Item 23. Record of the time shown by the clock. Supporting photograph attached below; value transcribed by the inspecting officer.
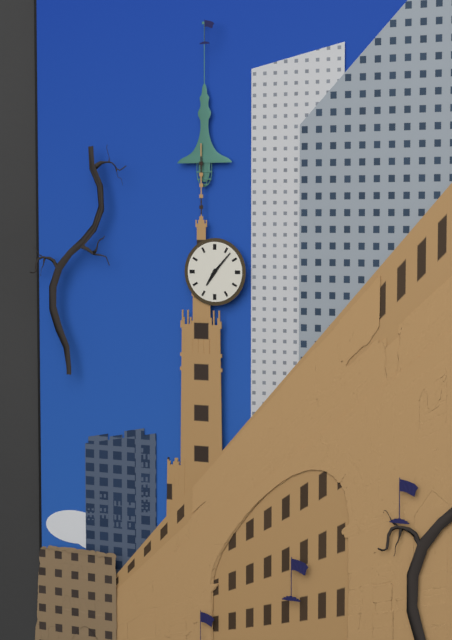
7:07
